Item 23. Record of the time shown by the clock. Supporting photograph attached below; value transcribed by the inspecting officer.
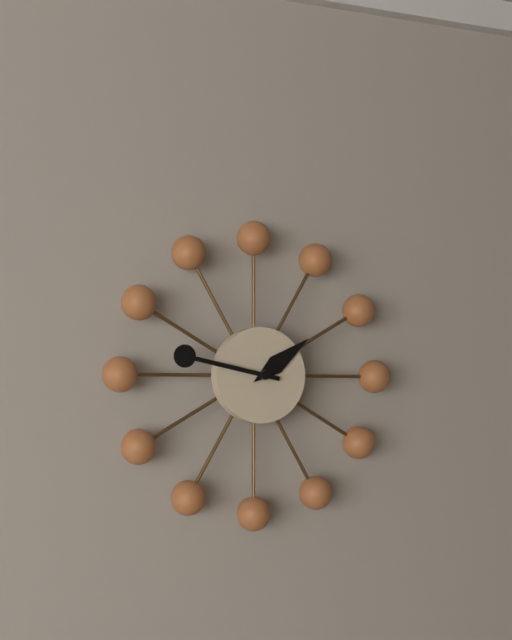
1:47
